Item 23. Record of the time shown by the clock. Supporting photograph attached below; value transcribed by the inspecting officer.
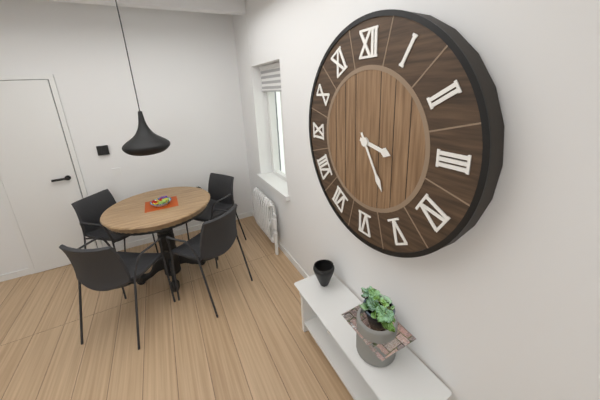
3:25
